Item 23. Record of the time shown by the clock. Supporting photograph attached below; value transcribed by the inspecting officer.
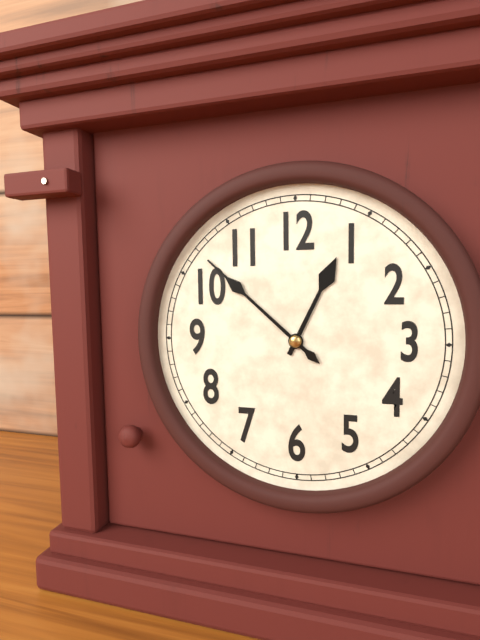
12:52
